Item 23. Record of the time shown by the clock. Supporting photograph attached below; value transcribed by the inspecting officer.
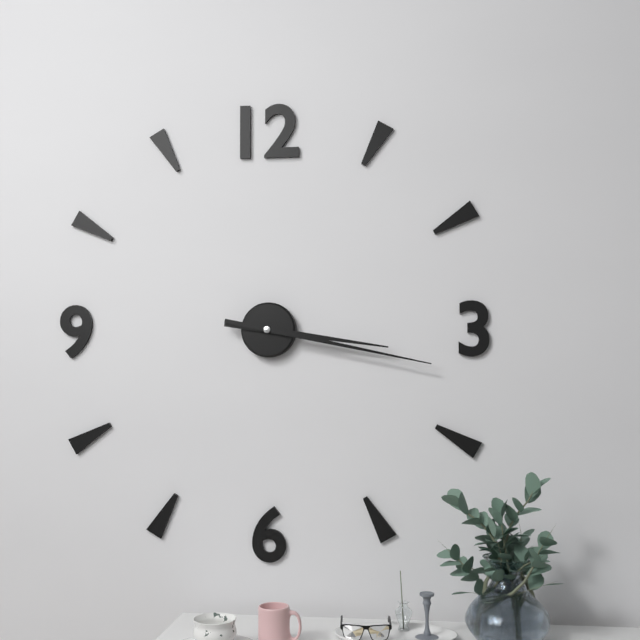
3:17
